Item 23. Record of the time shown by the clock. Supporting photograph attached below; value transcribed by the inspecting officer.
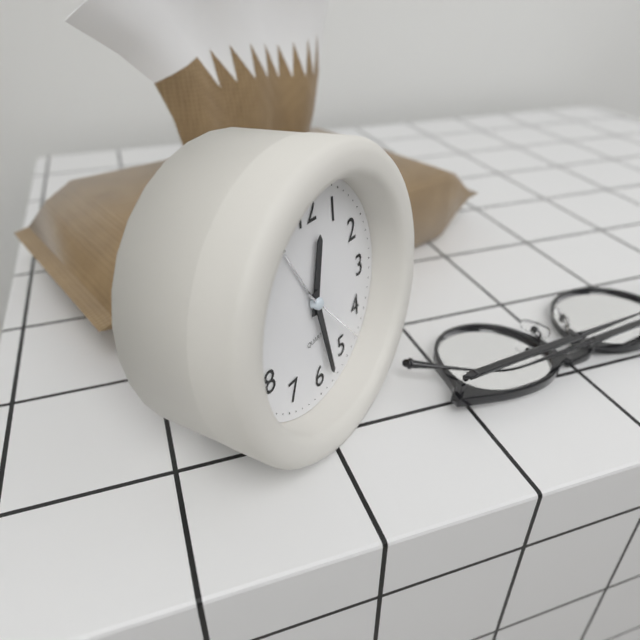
12:28:23
